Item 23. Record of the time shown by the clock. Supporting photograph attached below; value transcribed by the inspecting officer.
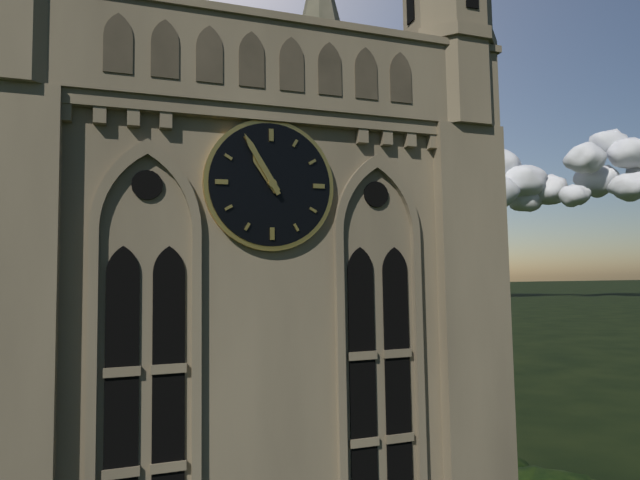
10:55
